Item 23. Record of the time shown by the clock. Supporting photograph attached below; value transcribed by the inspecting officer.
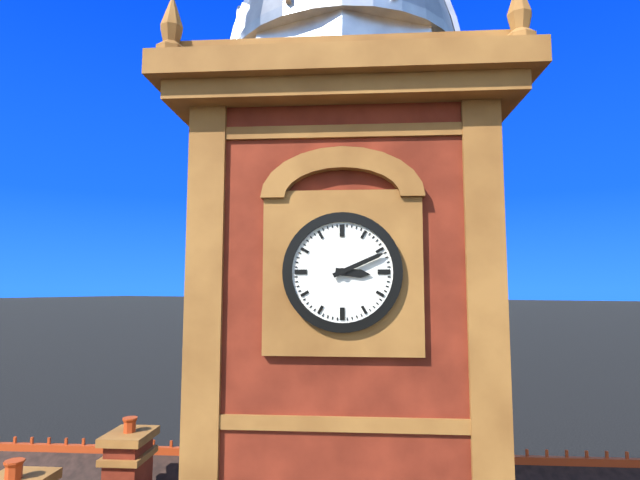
3:11
